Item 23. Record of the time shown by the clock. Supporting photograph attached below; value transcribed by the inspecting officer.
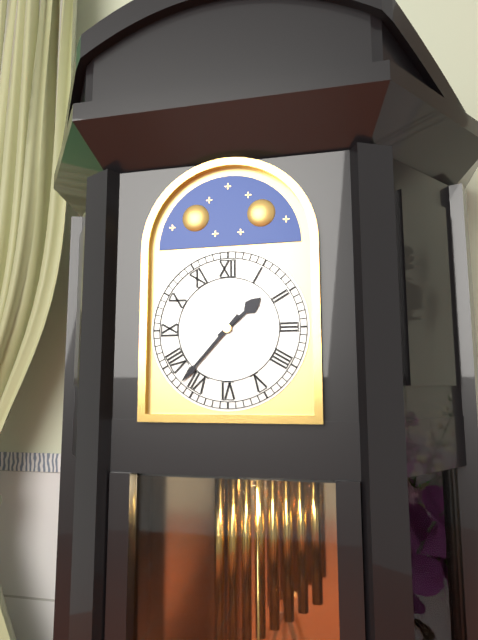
1:37
